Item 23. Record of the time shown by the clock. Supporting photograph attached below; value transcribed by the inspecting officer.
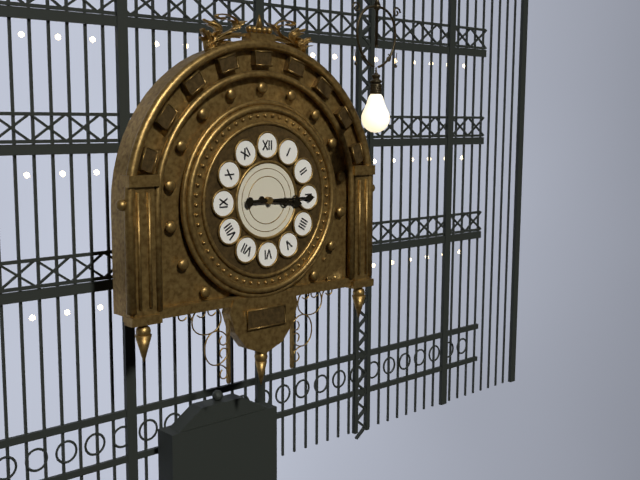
3:15
